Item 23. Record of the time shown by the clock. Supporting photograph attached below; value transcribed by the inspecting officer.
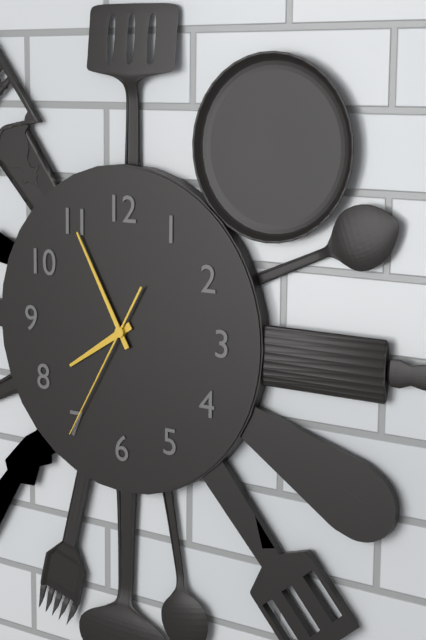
7:55:35
